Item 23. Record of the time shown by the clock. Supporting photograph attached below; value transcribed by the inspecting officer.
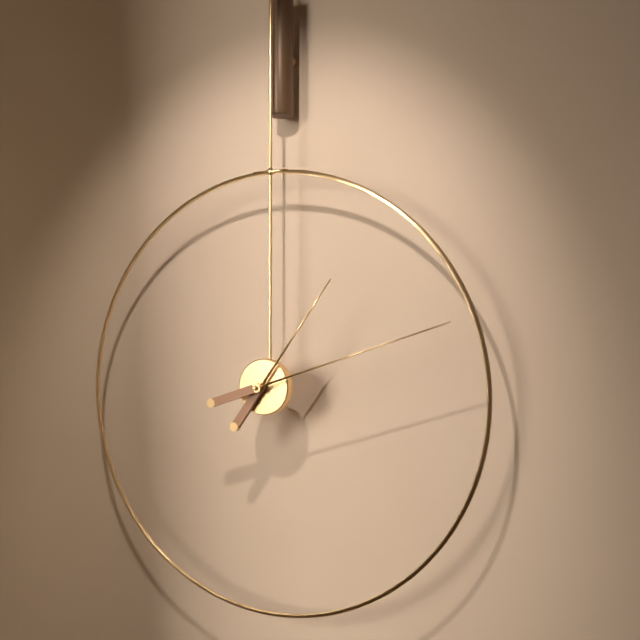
1:12
